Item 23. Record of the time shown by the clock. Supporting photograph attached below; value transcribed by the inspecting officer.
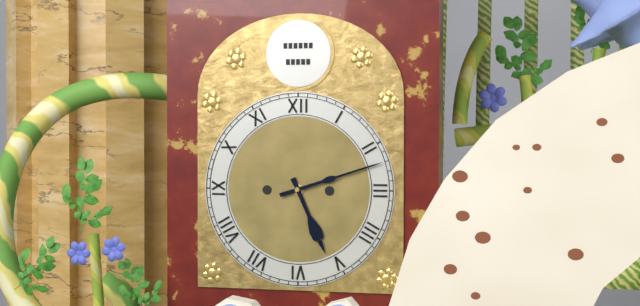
5:12
